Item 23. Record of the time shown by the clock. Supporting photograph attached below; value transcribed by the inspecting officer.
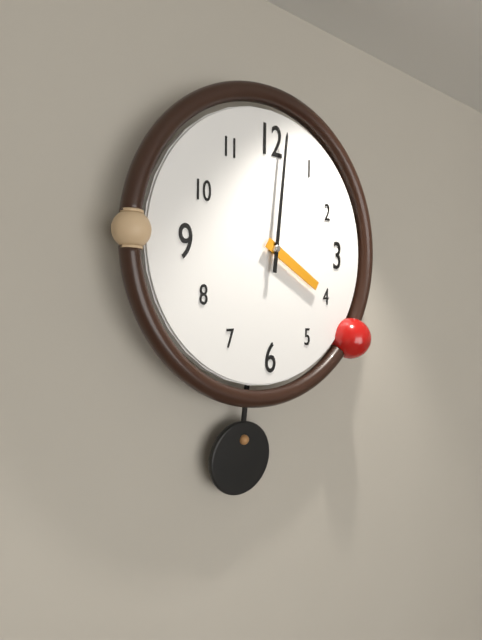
4:01
